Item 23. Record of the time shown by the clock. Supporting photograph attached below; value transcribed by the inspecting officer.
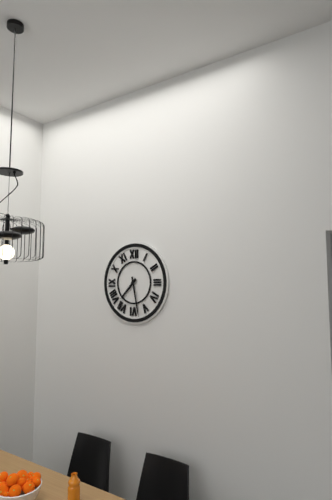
7:28
